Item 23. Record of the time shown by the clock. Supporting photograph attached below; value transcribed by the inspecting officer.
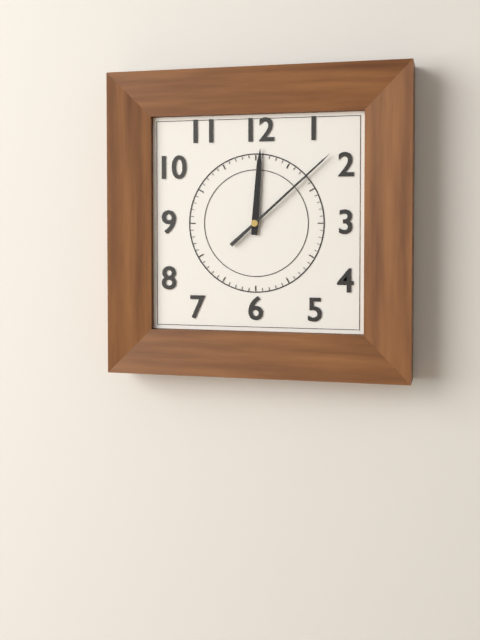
12:08
